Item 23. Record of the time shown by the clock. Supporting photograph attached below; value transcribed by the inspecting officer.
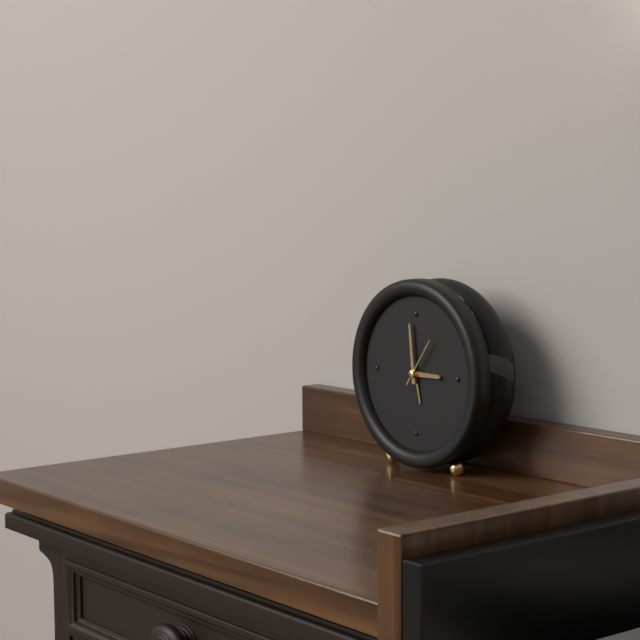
2:59
